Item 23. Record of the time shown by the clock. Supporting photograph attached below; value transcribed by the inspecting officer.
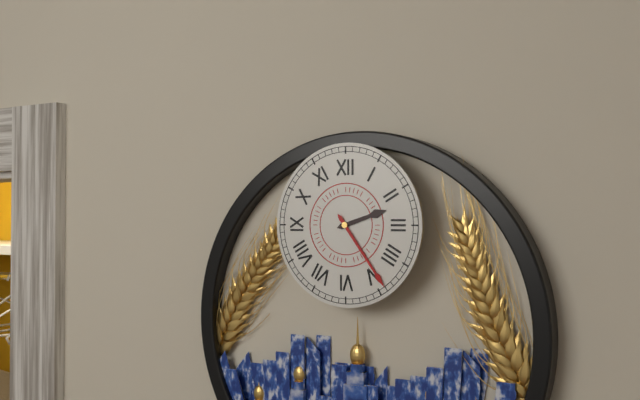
2:24
